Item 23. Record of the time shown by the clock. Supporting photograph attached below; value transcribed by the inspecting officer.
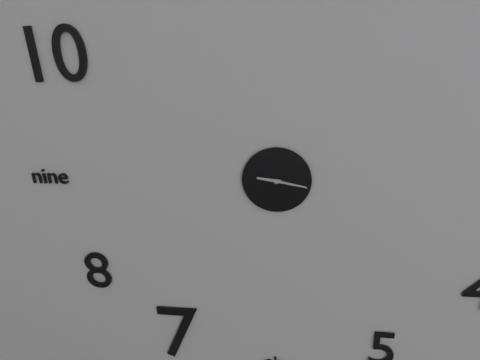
9:17
